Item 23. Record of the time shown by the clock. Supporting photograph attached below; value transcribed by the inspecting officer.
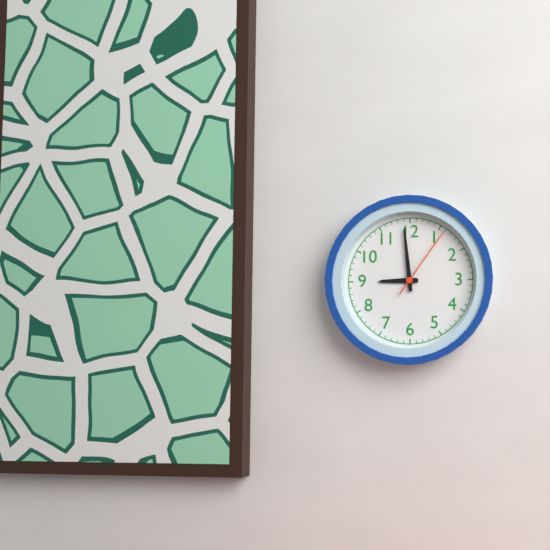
8:59:06
